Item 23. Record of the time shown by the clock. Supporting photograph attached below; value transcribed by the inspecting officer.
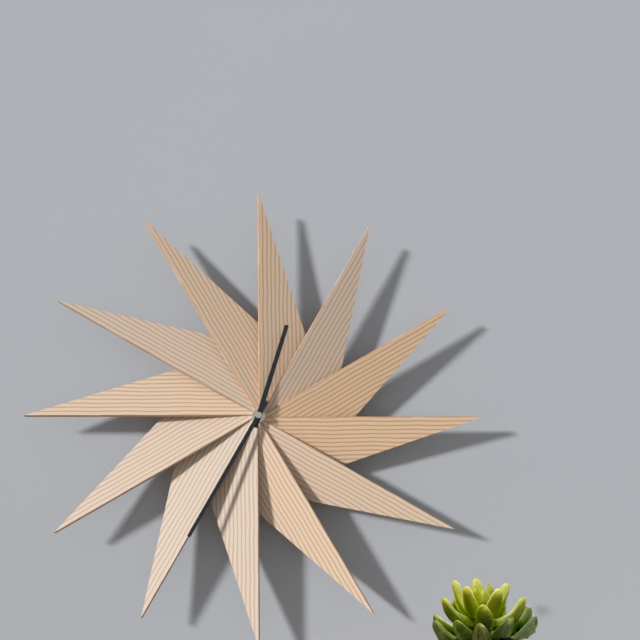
12:35
